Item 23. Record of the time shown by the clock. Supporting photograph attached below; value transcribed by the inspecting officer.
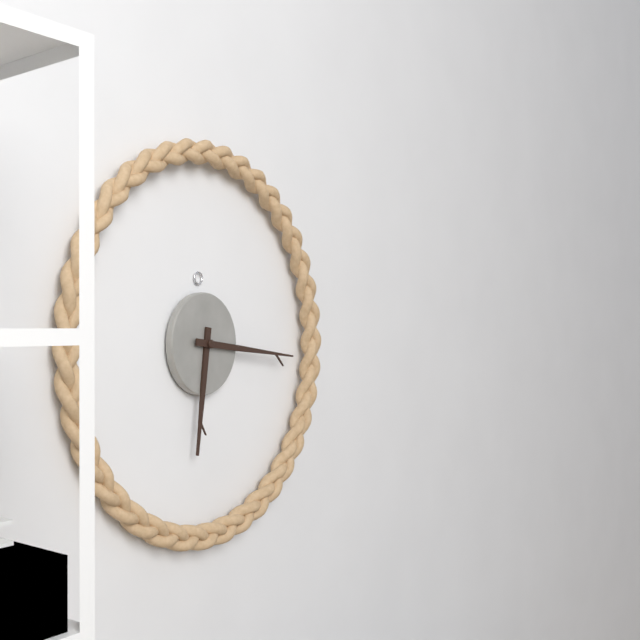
6:16
